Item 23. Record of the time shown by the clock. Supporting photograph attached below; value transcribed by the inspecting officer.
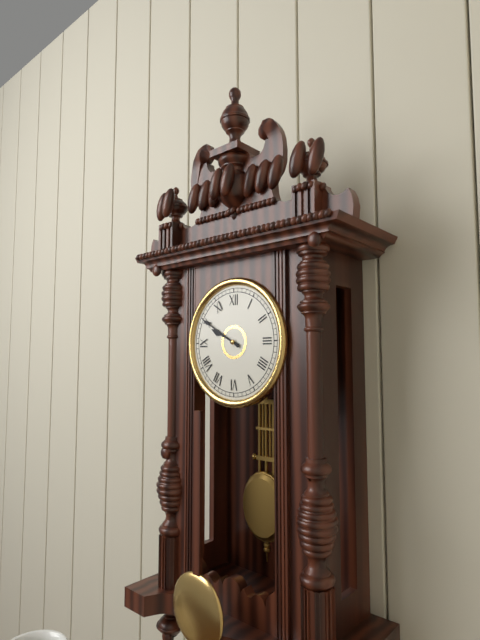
9:50
